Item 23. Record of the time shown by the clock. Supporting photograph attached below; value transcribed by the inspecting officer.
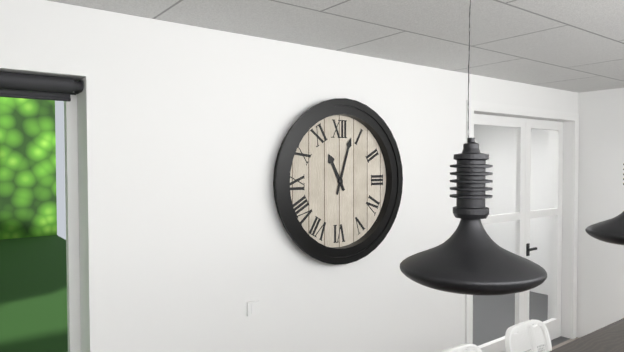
11:03
